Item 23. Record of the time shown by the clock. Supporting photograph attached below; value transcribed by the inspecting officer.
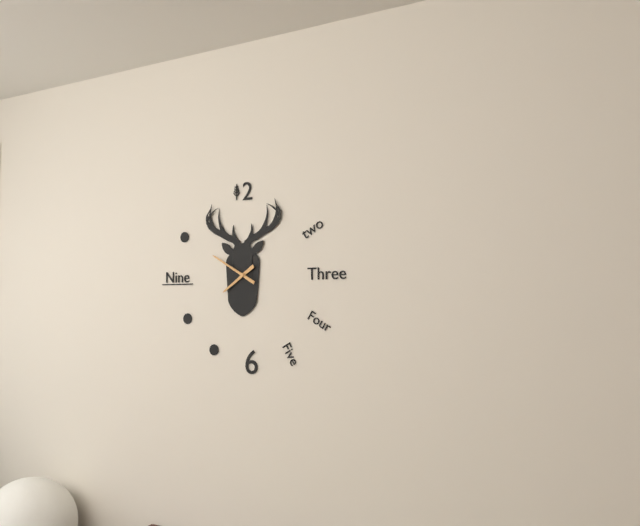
7:50
